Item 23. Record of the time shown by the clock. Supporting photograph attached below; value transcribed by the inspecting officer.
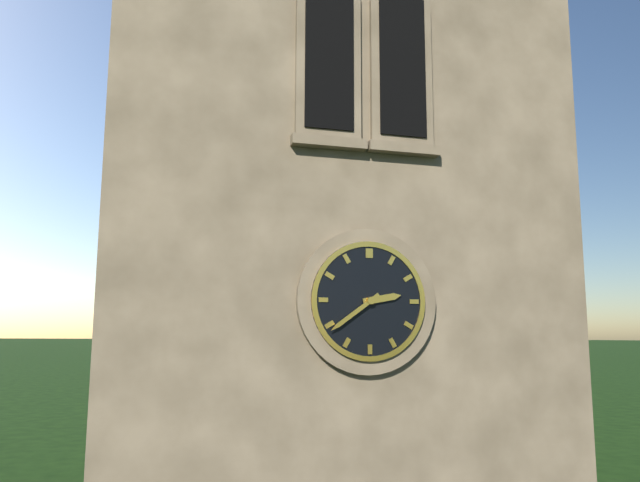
2:39
